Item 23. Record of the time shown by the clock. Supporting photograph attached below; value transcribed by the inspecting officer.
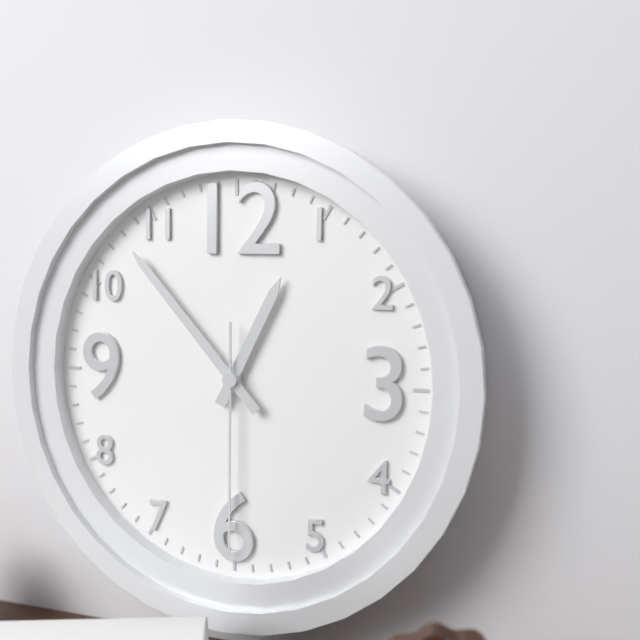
12:53:30
